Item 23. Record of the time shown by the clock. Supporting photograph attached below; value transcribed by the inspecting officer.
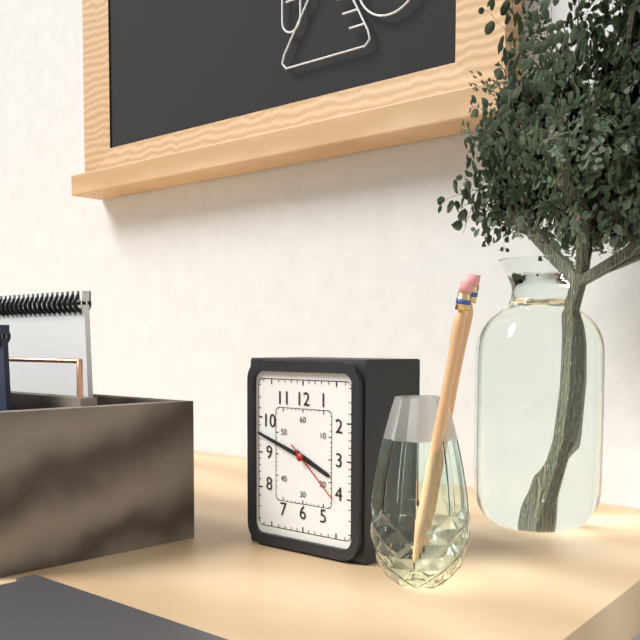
3:48:22
